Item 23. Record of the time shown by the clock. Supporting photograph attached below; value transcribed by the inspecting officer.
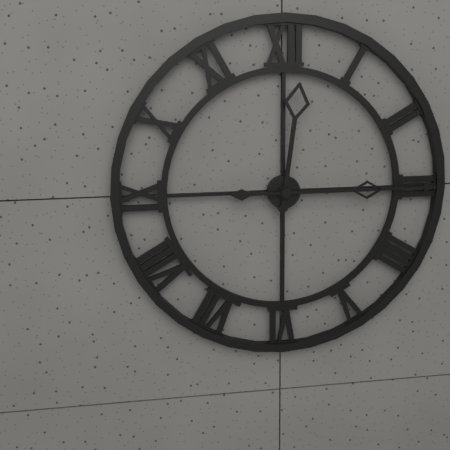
12:15
